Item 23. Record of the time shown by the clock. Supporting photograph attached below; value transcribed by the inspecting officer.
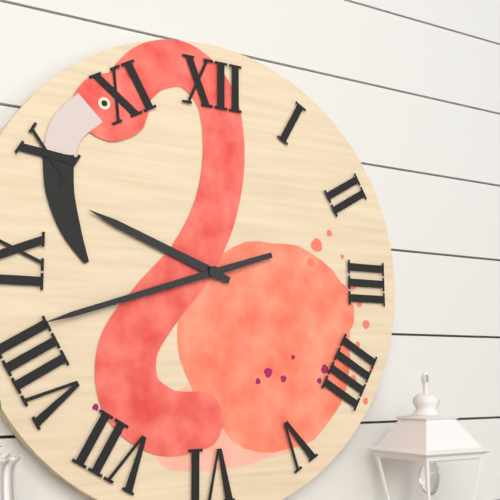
9:42
